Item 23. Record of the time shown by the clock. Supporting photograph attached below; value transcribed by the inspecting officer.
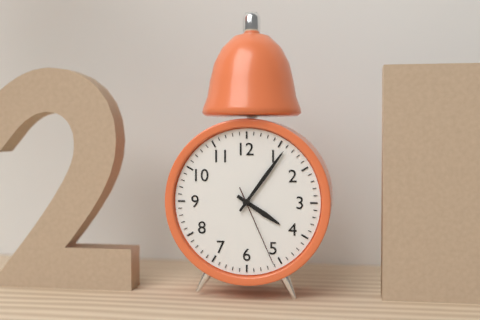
4:06:26
